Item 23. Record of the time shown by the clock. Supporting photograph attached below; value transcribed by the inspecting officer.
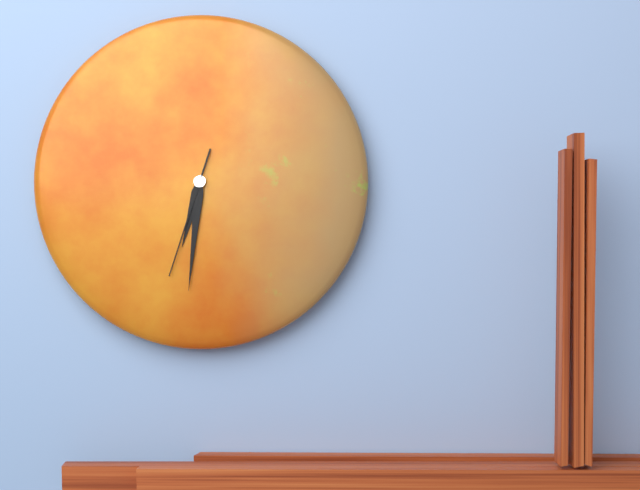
6:31:33
